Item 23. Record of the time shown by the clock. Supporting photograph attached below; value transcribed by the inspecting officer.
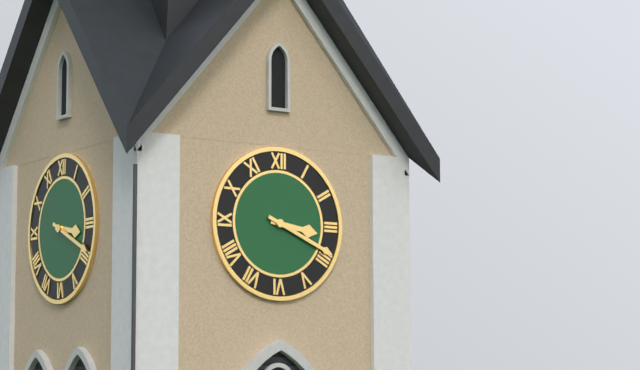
3:19
